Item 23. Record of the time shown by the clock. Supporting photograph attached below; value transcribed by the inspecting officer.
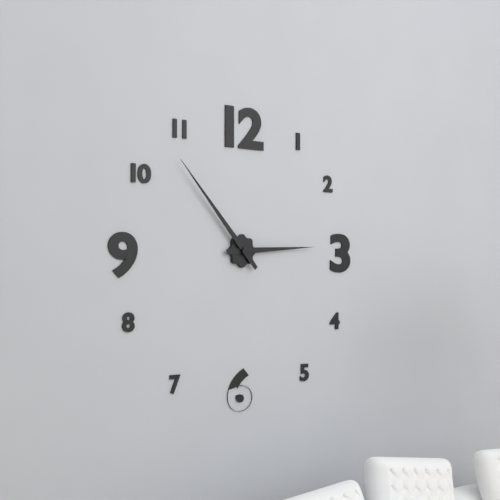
2:53
